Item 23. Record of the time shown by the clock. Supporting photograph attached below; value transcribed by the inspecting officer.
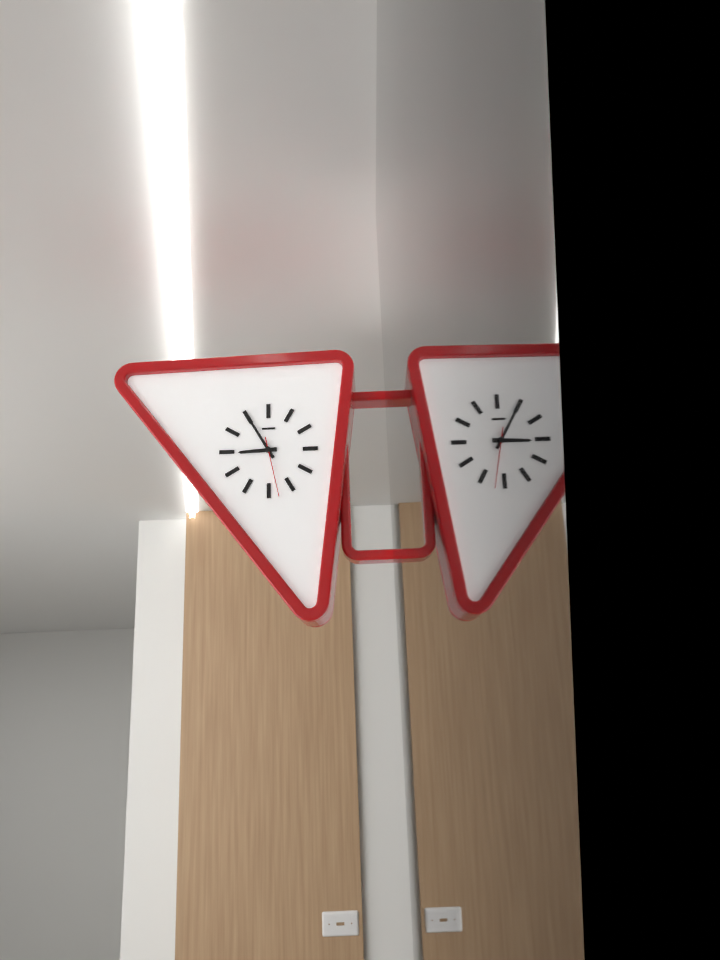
8:55:28
